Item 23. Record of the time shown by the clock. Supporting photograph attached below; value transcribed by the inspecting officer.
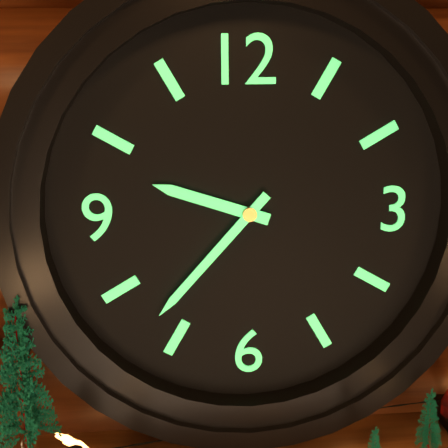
9:37
